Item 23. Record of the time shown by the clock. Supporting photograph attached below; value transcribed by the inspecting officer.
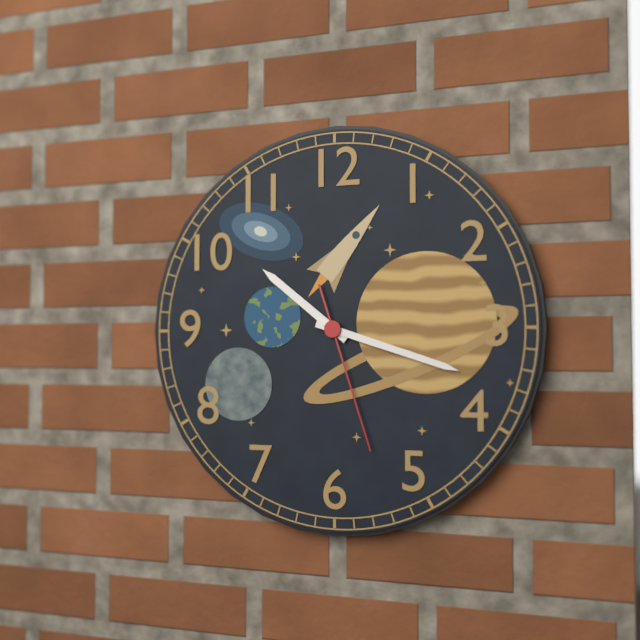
10:18:27
